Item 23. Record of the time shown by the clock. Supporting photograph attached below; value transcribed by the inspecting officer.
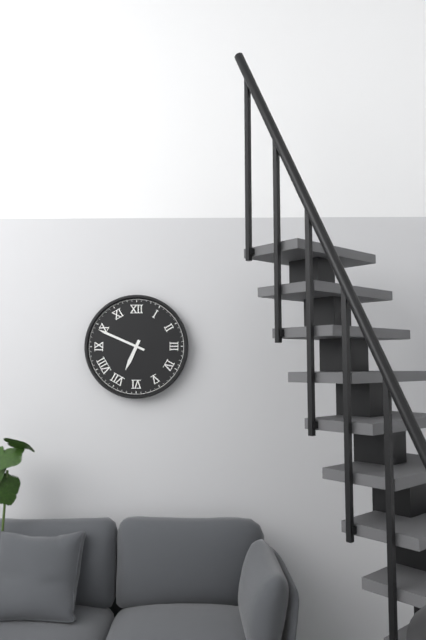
6:49
